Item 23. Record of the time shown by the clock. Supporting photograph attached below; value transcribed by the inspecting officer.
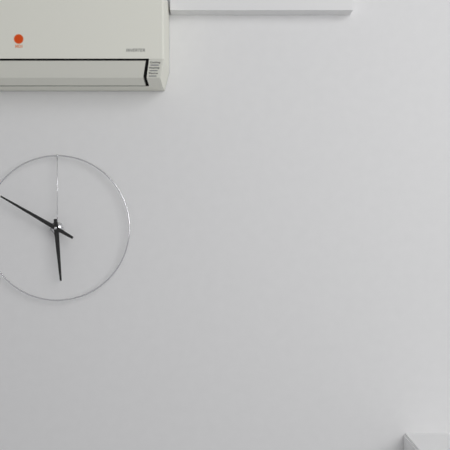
5:50
